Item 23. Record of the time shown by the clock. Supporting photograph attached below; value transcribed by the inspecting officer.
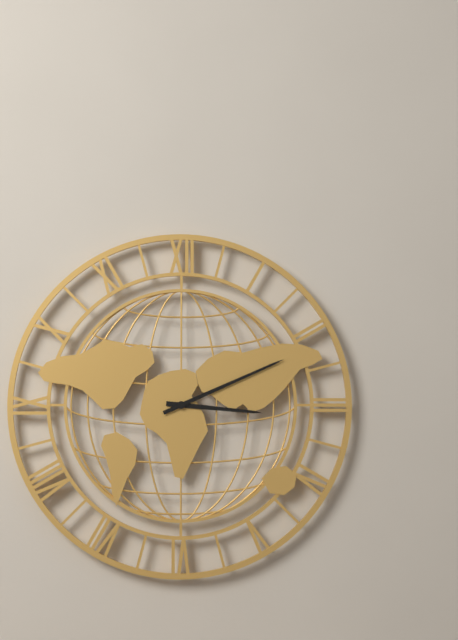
3:11
